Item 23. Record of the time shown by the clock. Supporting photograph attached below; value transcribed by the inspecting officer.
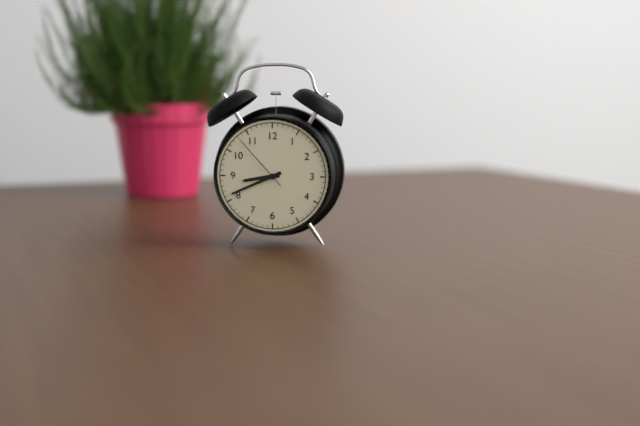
8:41:53
